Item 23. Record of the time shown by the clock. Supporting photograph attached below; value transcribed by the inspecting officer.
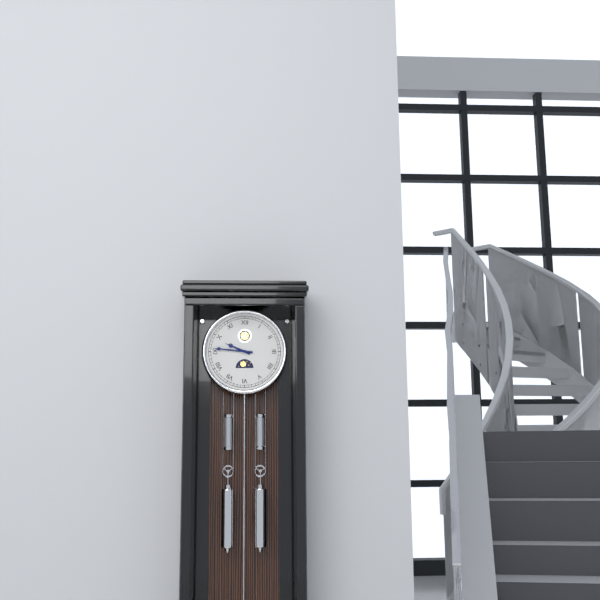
9:46
